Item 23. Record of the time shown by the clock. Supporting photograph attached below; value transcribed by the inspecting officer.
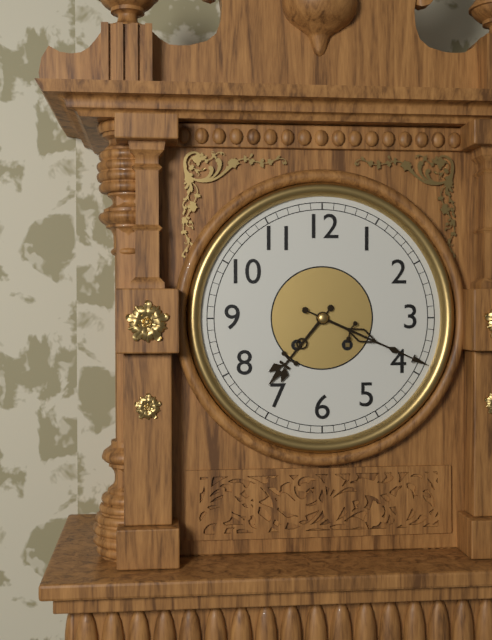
7:19
